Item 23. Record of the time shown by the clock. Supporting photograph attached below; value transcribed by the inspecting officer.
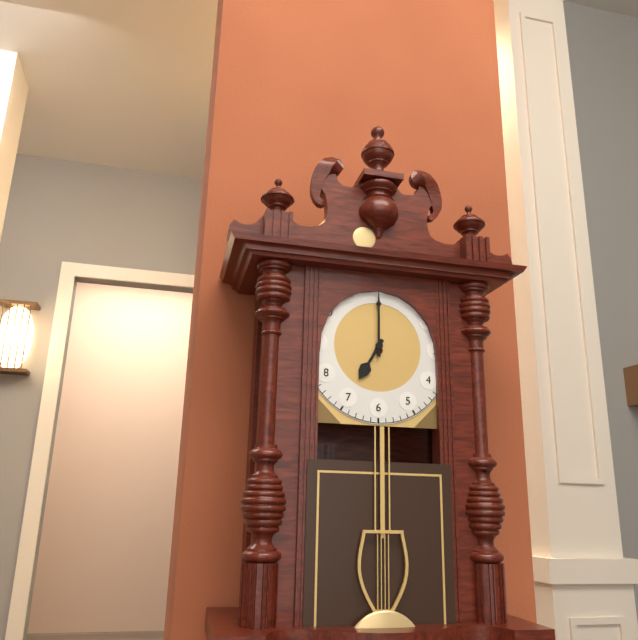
7:00
